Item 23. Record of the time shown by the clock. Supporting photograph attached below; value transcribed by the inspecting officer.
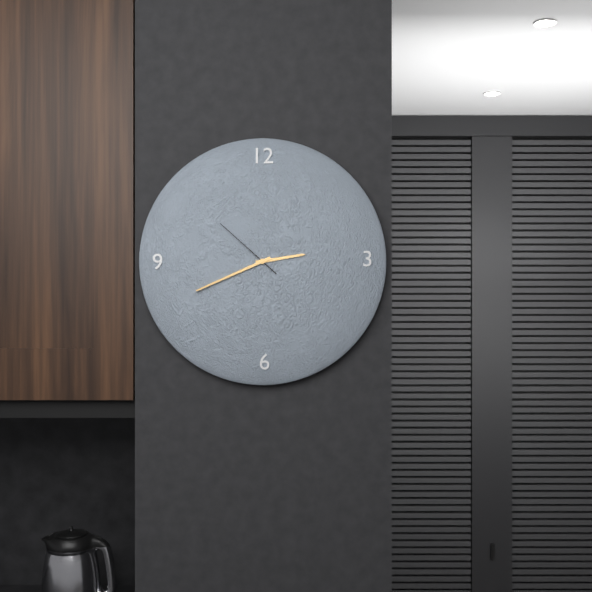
2:41:52
